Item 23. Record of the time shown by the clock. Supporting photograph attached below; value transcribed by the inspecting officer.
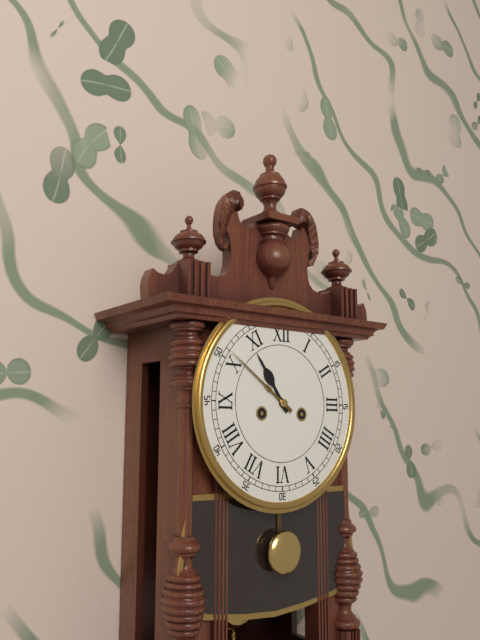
10:51
